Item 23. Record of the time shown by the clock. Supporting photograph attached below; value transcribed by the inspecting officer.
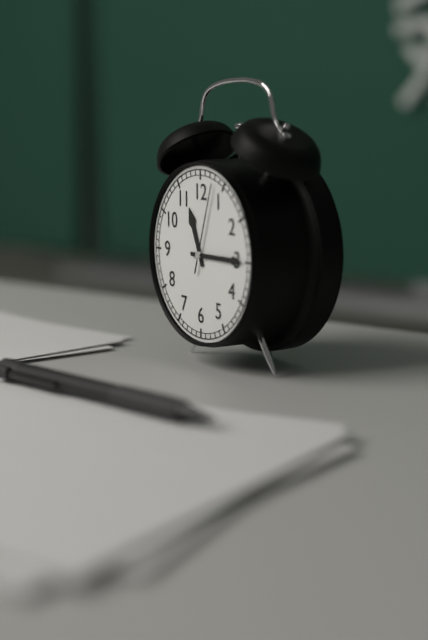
11:15:03
